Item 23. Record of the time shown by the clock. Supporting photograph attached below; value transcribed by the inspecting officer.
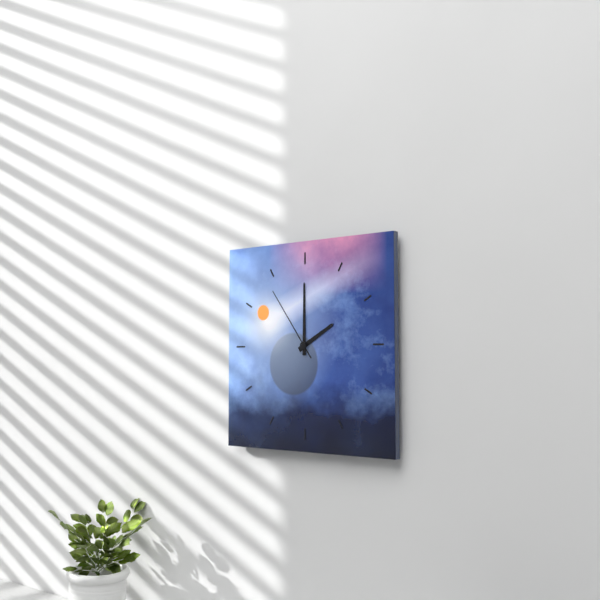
2:00:54
